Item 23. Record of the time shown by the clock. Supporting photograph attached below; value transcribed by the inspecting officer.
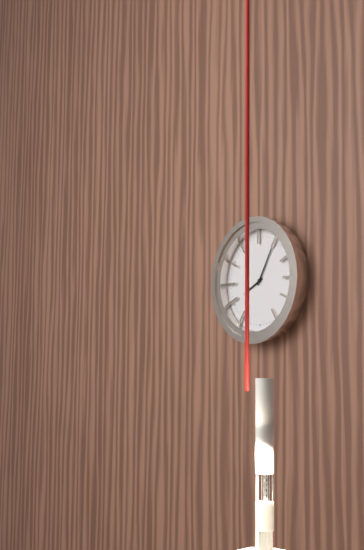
8:05
